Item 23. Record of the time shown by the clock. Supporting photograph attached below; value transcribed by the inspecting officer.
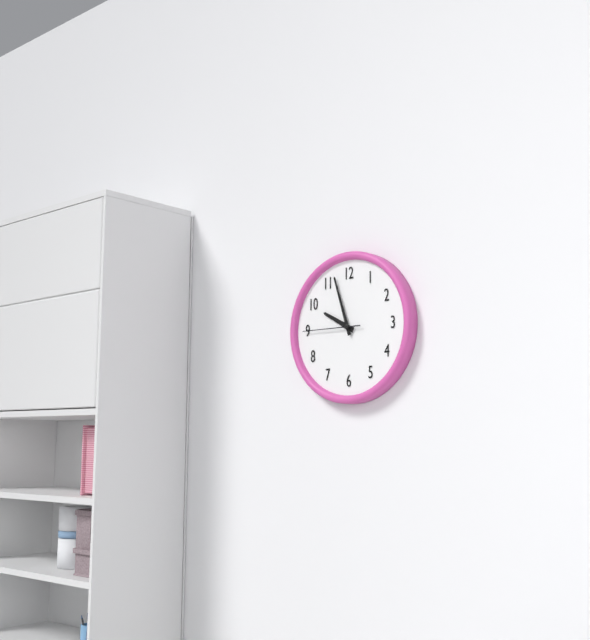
9:57:45
